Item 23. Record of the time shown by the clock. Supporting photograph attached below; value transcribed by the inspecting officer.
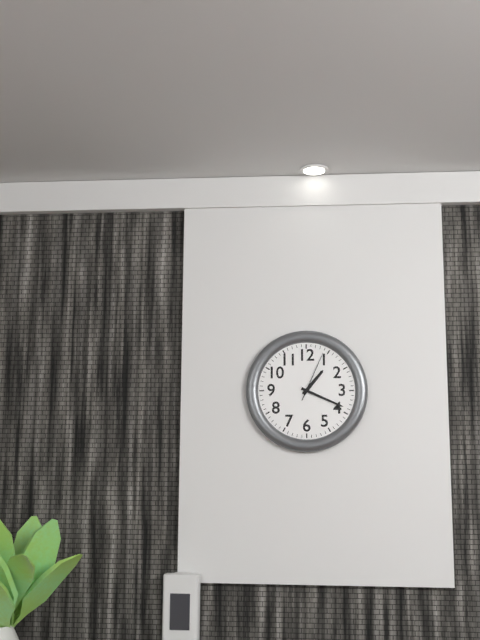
1:19:04
